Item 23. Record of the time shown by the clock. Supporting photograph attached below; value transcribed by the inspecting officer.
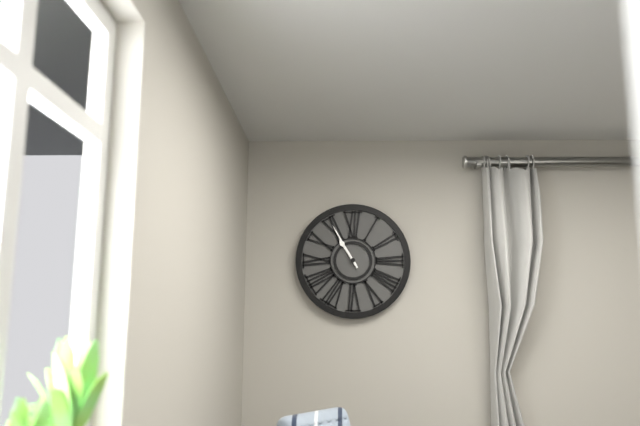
10:55
